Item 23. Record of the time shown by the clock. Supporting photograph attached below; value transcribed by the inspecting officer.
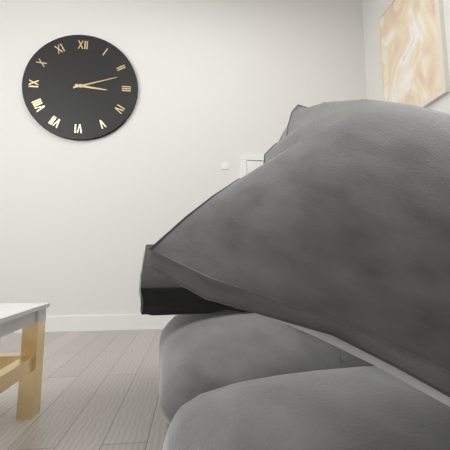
3:12
